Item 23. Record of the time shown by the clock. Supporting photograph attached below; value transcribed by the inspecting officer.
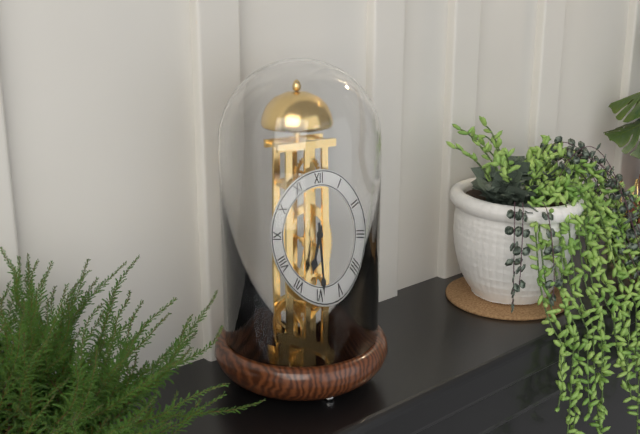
6:29
